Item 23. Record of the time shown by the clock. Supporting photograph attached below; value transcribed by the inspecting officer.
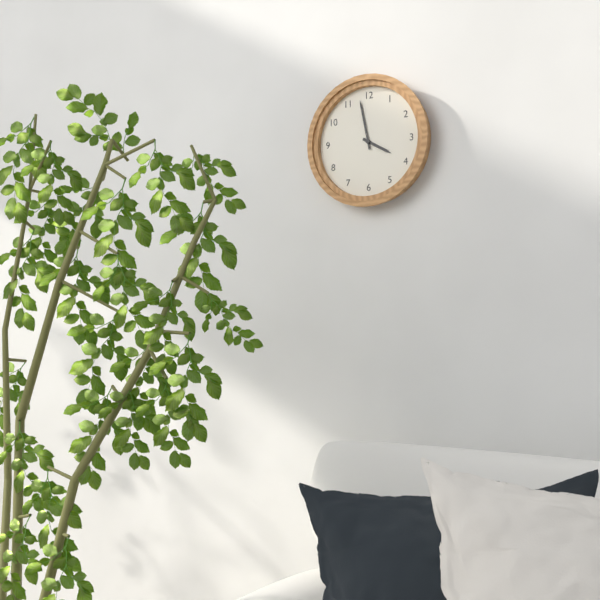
3:58
